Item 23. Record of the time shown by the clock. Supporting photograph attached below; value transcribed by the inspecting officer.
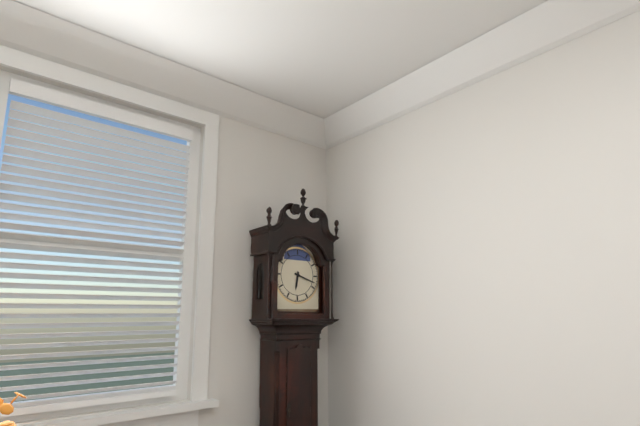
6:18
